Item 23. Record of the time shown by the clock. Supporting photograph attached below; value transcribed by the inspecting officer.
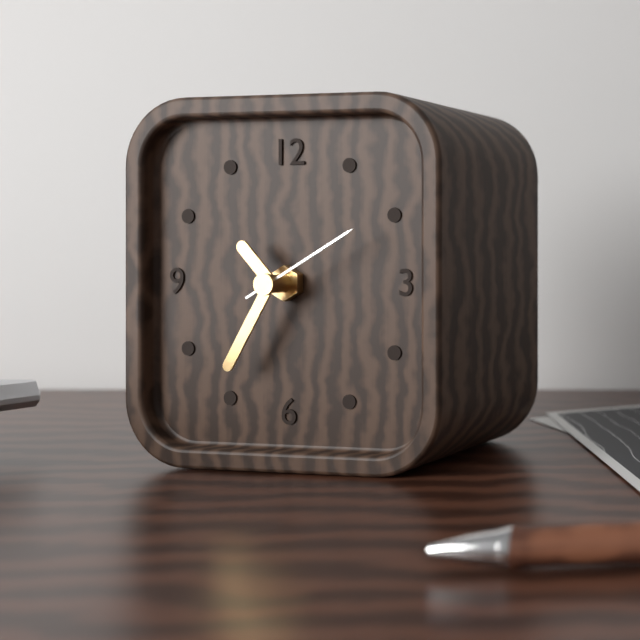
10:35:10
